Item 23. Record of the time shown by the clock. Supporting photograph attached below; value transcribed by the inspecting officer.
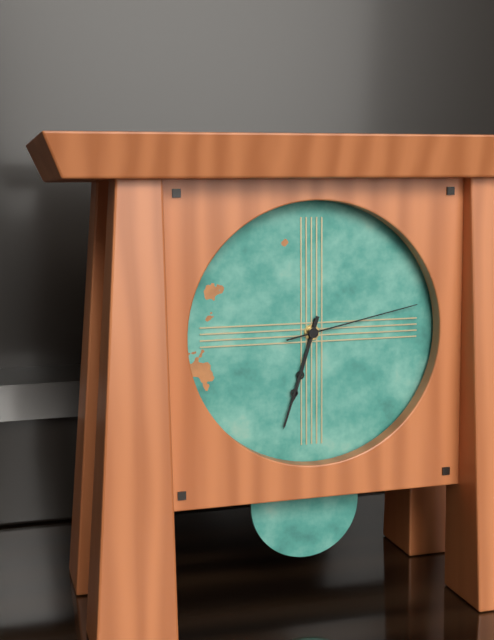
6:33:13
